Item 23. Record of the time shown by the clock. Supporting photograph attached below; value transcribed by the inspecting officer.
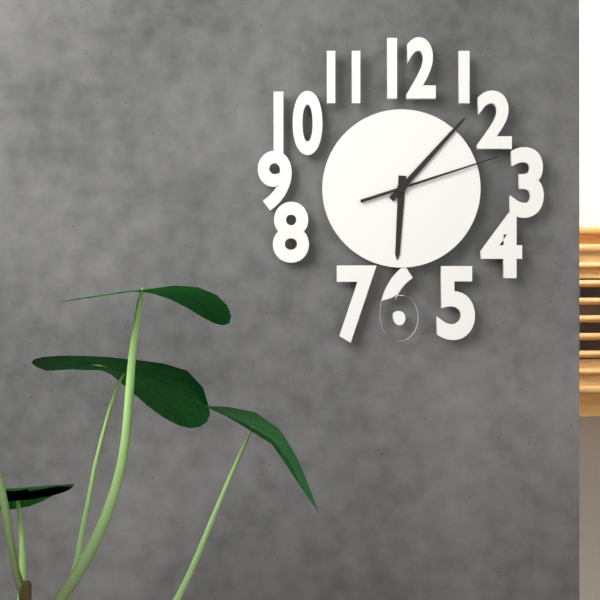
6:07:12
